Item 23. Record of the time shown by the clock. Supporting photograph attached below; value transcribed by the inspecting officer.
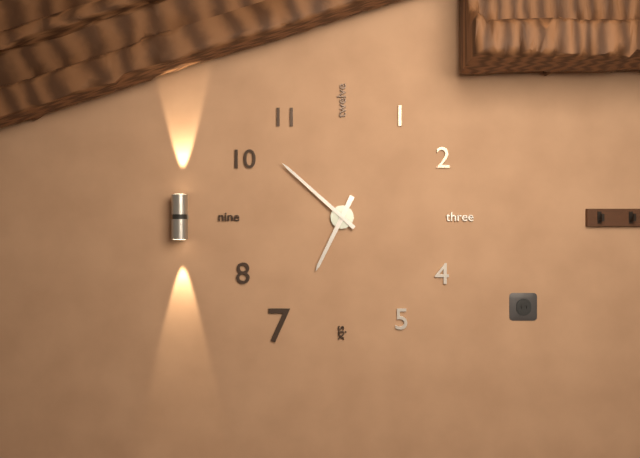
6:52
